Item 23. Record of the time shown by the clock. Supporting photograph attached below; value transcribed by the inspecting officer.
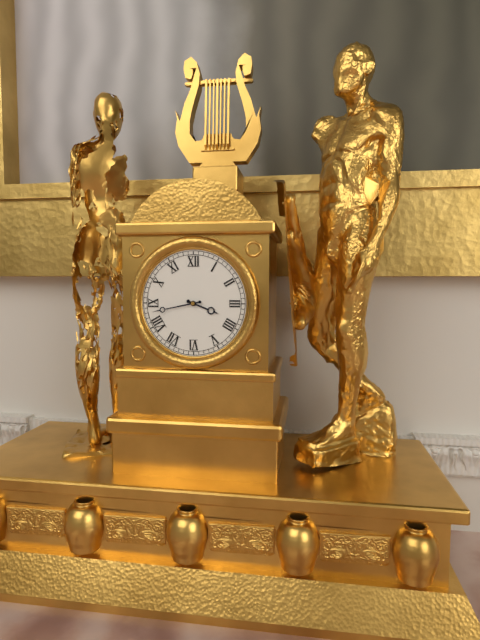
3:43
